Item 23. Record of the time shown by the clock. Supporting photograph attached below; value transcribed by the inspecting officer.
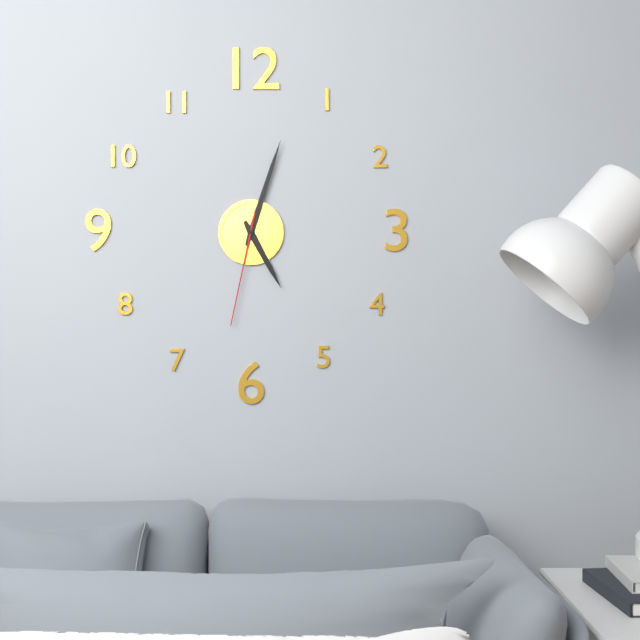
5:03:32
